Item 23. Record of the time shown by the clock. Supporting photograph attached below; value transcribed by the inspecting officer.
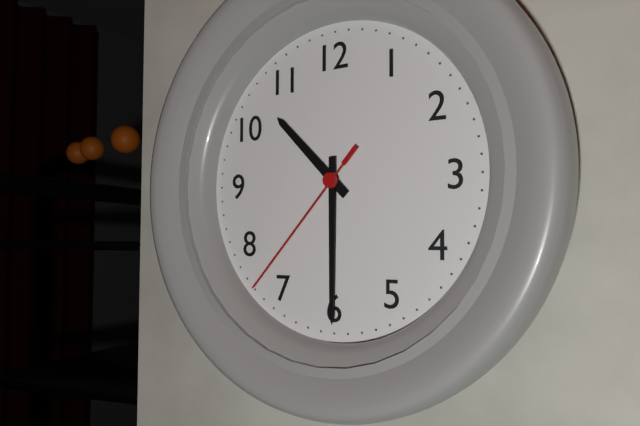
10:30:37
